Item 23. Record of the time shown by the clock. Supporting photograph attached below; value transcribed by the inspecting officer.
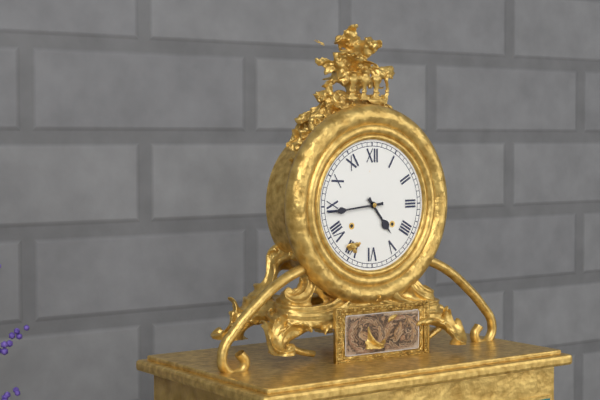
4:44
